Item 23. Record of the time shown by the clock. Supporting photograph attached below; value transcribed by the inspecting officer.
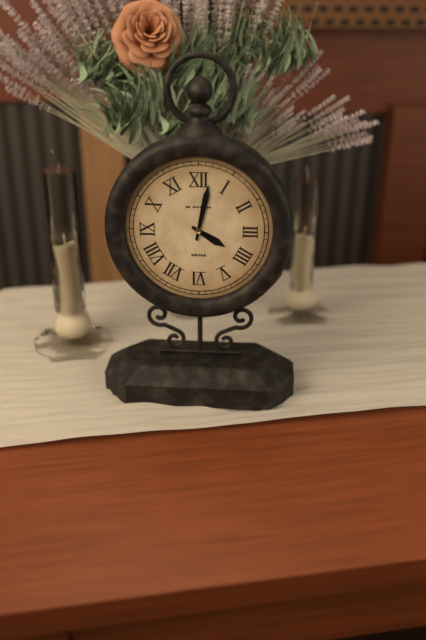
4:02
